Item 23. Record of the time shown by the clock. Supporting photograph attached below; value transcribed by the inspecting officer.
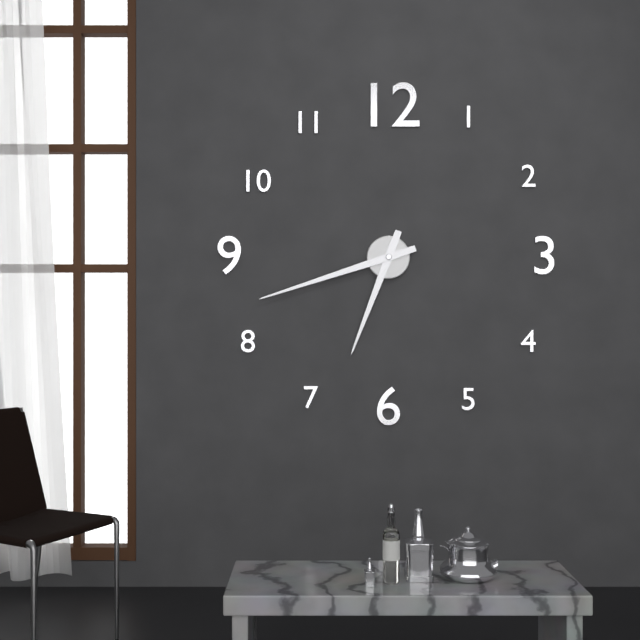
6:42
